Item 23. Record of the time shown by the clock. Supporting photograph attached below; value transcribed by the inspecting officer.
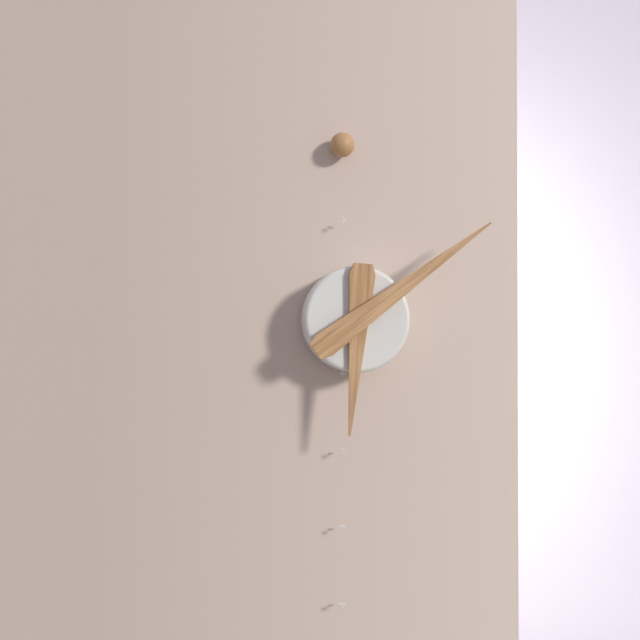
6:09
